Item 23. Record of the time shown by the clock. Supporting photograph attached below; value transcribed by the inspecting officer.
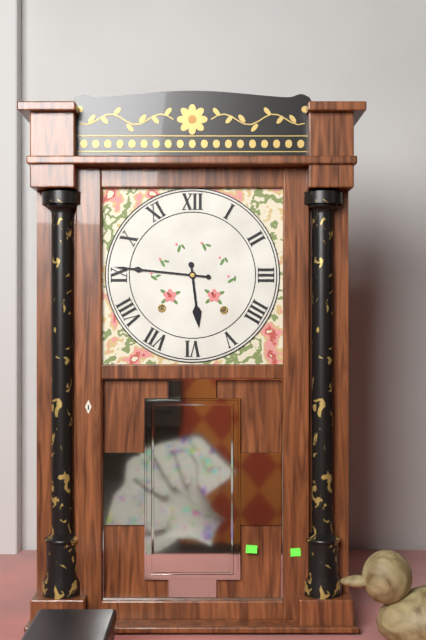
5:46
